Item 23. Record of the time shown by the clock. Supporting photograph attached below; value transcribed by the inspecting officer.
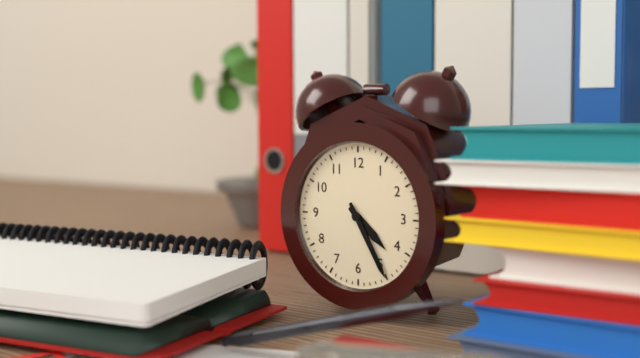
4:25
